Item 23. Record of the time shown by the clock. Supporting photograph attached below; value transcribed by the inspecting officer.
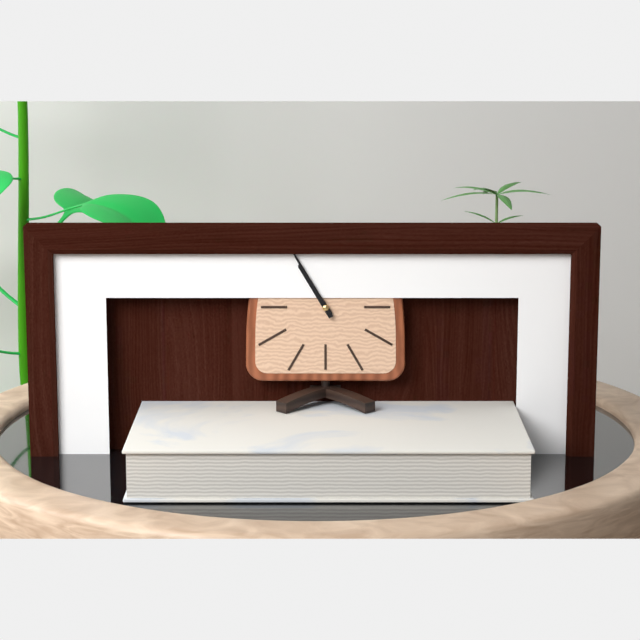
10:55
